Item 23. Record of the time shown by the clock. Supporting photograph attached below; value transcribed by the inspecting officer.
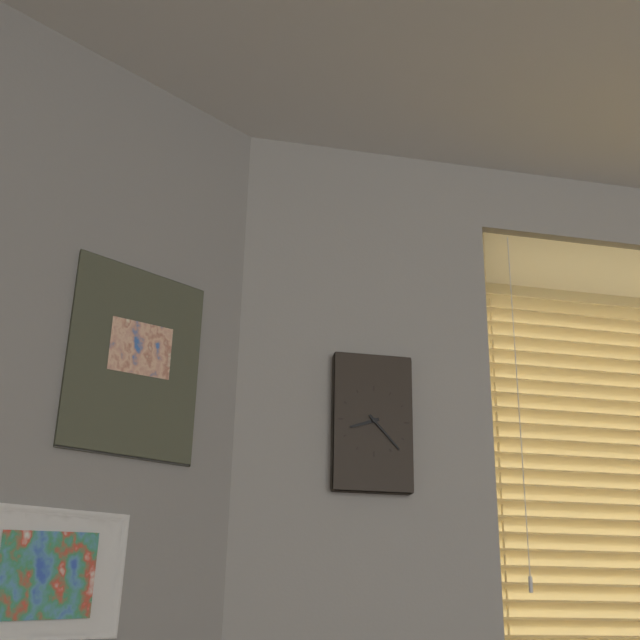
8:23
